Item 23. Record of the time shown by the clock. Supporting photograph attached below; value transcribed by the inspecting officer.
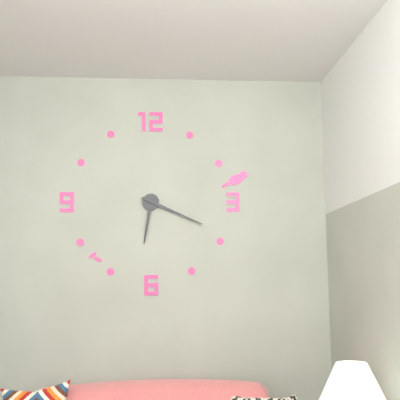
6:19
